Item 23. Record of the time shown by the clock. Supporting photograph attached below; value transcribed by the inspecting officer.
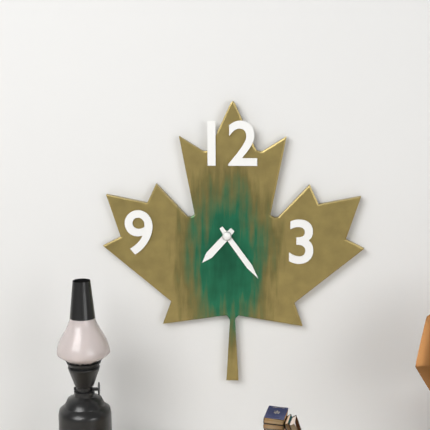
7:24
